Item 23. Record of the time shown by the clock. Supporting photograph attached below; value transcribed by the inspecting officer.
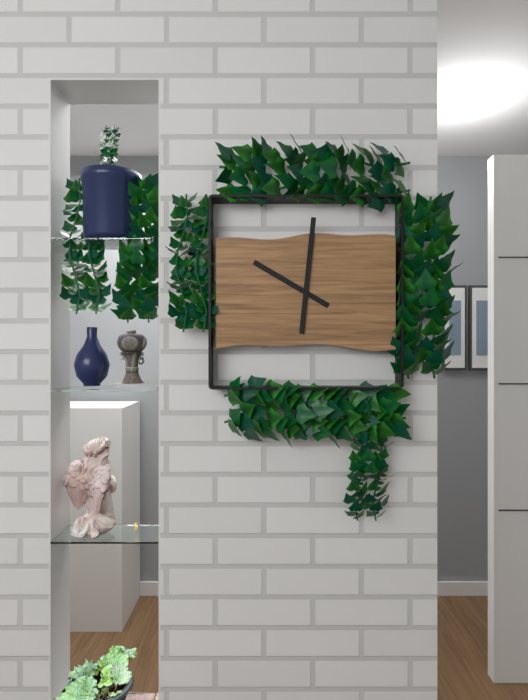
10:01
